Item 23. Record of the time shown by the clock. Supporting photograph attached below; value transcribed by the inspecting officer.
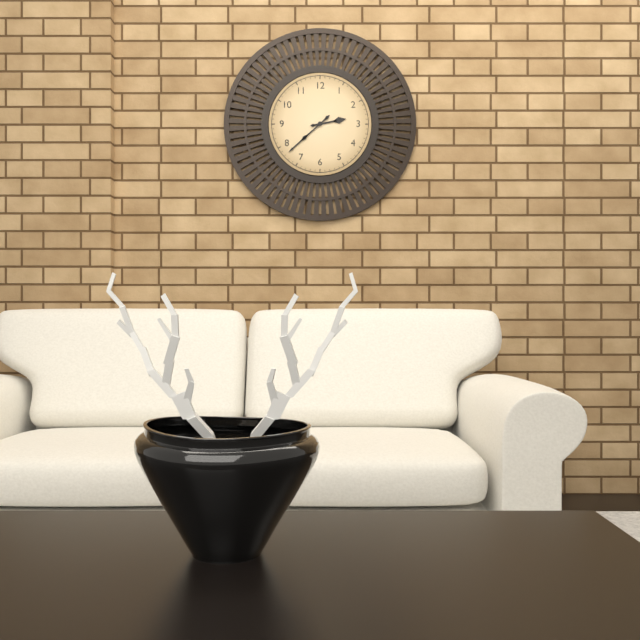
2:38
